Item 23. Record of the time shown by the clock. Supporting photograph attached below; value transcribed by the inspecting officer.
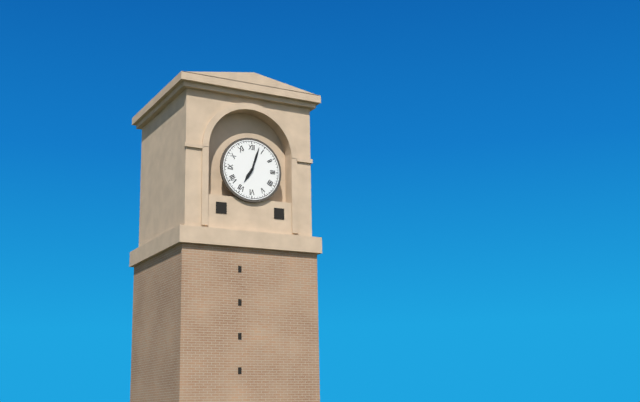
7:03
